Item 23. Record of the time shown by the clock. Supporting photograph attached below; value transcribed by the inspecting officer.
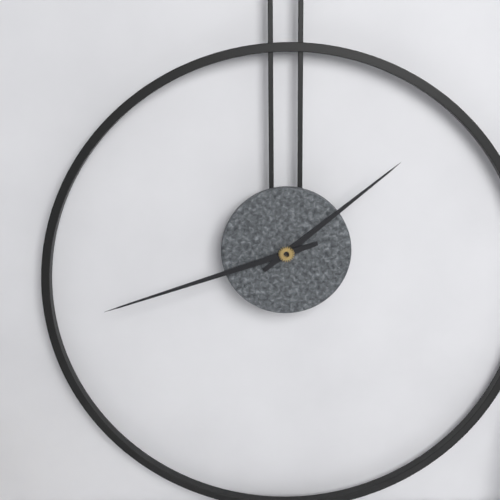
1:42
